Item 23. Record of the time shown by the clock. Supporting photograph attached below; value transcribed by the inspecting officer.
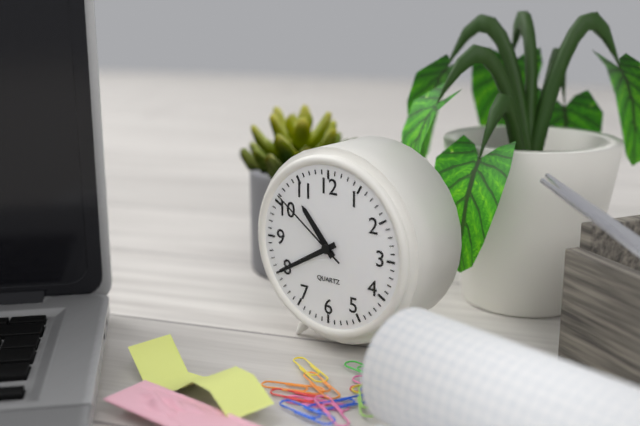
10:40:51
